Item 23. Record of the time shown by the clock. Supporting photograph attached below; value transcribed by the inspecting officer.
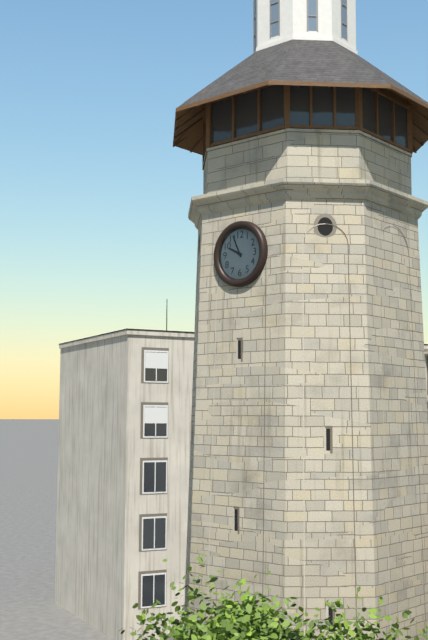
9:56
